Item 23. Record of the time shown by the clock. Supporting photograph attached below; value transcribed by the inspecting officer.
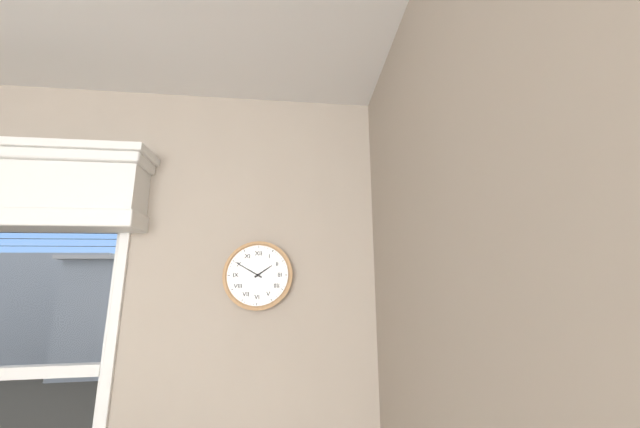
1:50
